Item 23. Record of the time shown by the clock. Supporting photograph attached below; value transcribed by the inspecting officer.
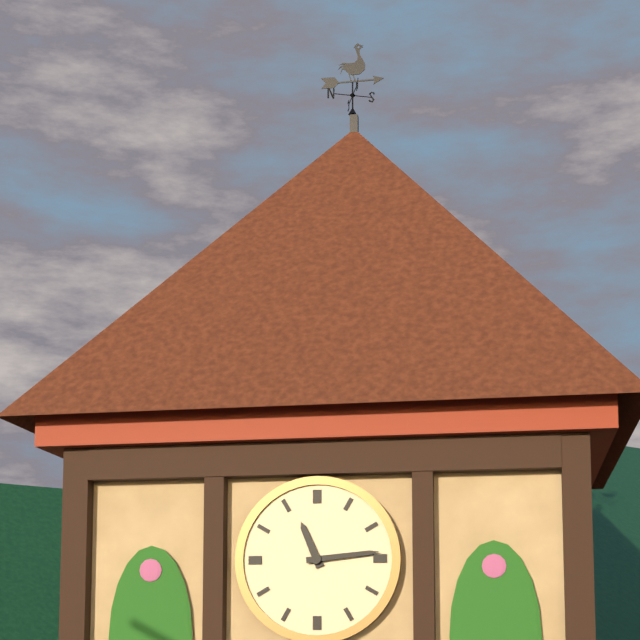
11:14
